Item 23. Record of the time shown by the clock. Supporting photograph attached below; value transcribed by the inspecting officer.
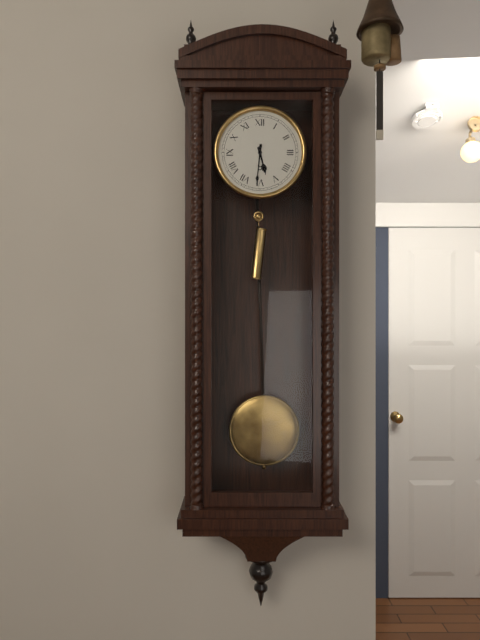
5:31
